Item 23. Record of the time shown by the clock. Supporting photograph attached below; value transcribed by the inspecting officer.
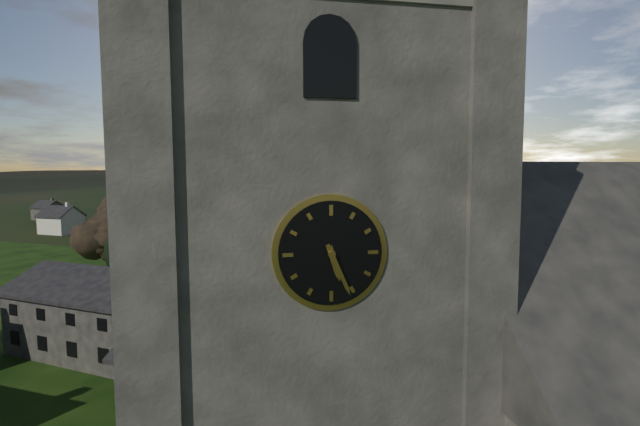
5:26
